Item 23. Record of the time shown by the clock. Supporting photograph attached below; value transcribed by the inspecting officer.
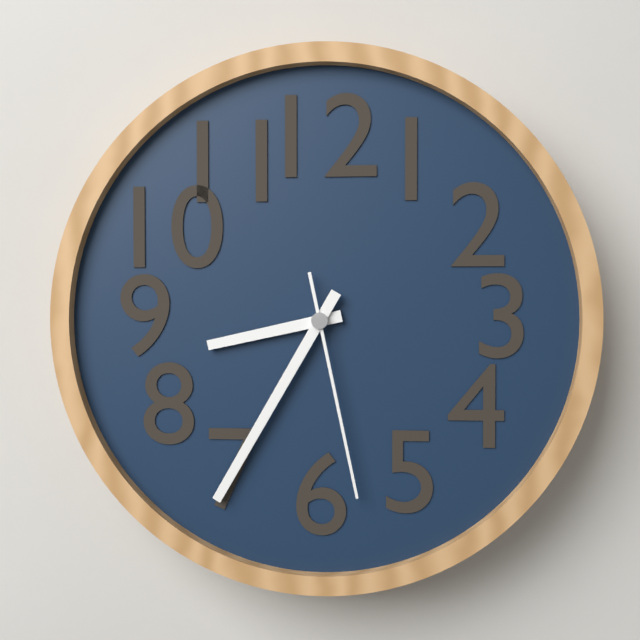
8:35:28
